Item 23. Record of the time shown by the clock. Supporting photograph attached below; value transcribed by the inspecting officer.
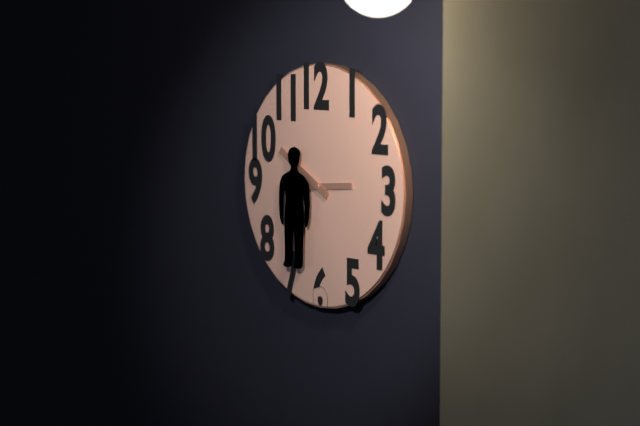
2:50
